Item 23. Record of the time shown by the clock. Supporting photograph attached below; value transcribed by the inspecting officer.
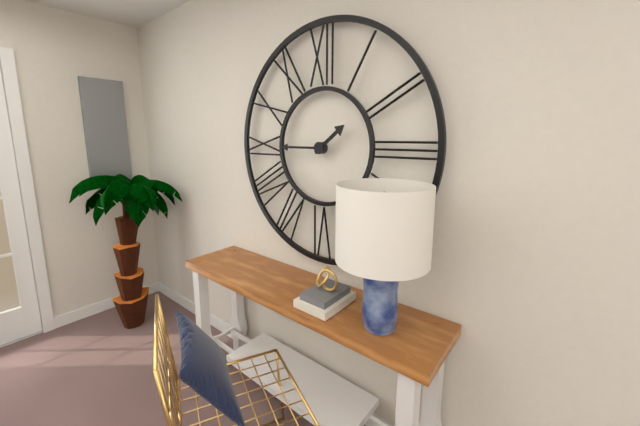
1:45
